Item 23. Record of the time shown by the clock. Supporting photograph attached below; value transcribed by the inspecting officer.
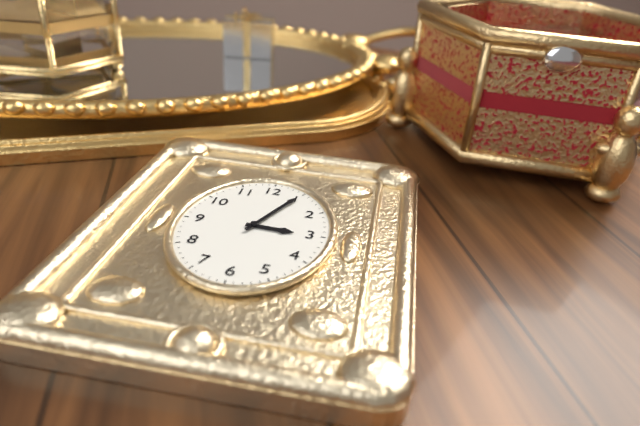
3:04
